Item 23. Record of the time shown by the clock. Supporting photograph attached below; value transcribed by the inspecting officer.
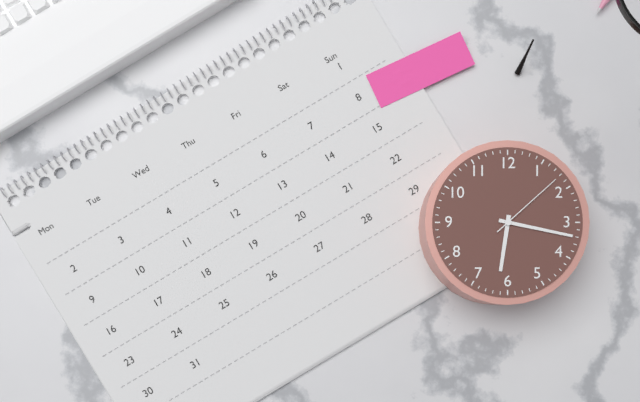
6:17:08
